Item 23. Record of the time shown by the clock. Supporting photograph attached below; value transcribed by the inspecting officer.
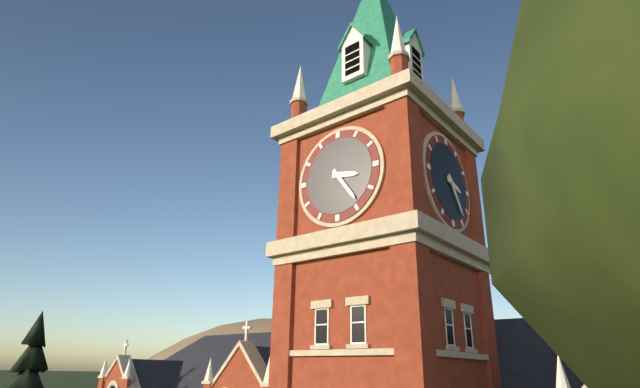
3:24
